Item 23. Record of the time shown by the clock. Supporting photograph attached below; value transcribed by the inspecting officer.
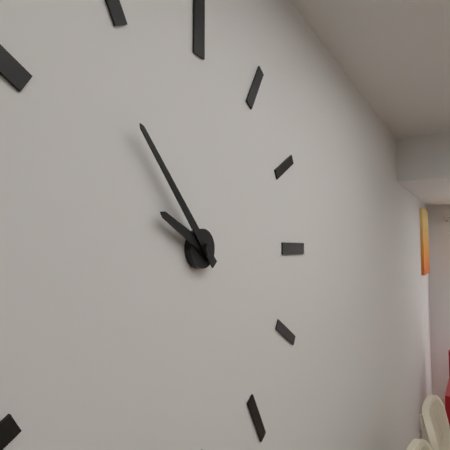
9:53
